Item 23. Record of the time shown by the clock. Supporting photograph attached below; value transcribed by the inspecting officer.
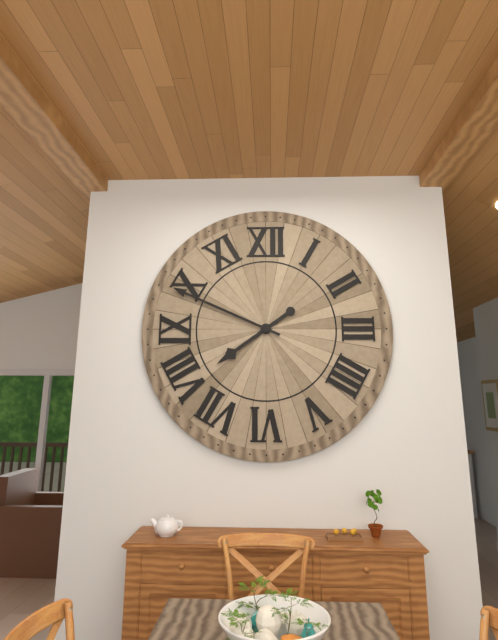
7:49
